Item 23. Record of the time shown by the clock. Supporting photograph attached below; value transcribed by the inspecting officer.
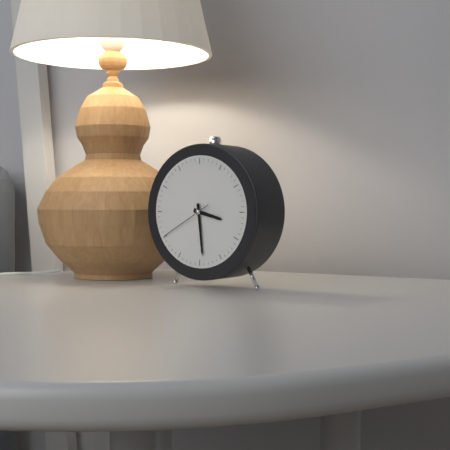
3:29:40
